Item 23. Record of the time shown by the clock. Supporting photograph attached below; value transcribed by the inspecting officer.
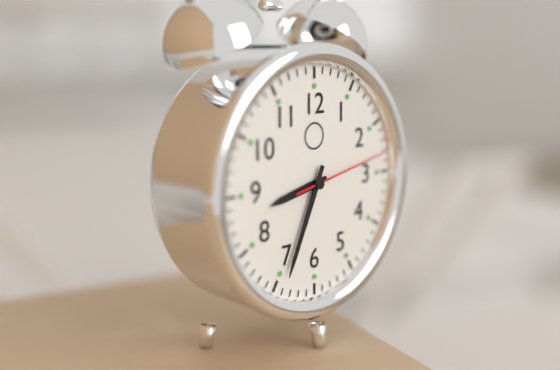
8:34:13
